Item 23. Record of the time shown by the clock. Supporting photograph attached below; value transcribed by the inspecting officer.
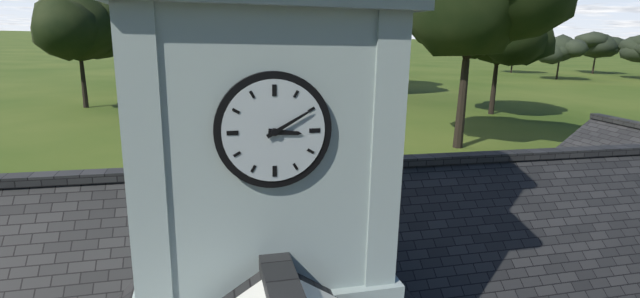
3:10
